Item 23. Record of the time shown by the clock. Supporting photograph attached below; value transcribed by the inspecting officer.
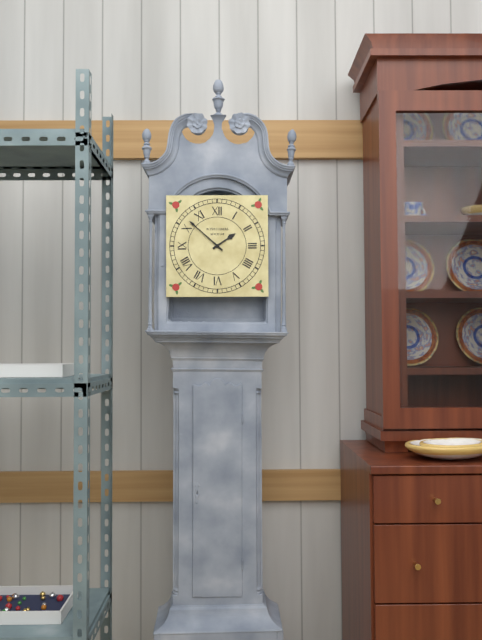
1:52
